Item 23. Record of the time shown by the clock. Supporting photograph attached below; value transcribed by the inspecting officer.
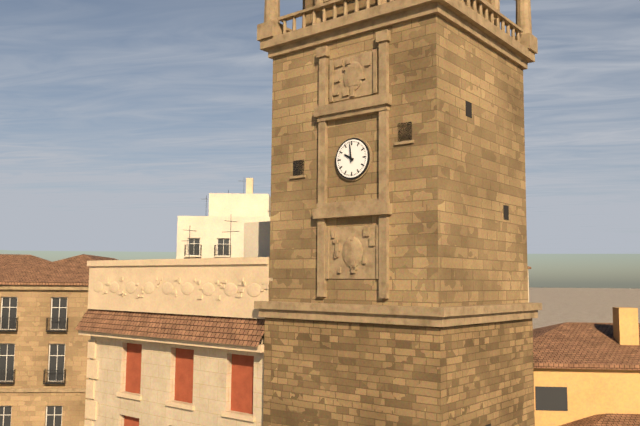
9:59
